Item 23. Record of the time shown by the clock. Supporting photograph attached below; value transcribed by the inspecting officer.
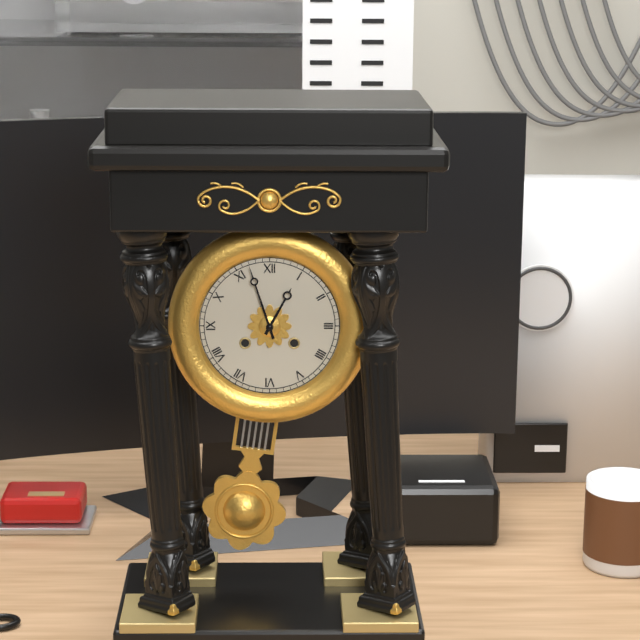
12:57
